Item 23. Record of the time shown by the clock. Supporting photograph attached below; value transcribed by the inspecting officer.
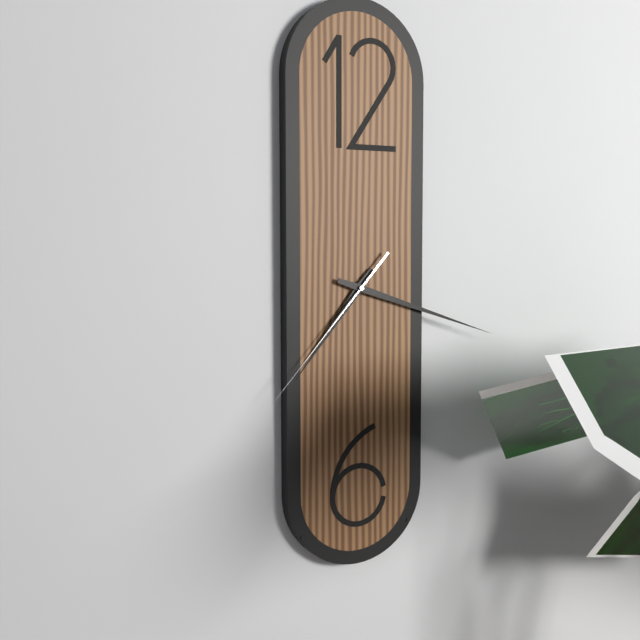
7:18:37
